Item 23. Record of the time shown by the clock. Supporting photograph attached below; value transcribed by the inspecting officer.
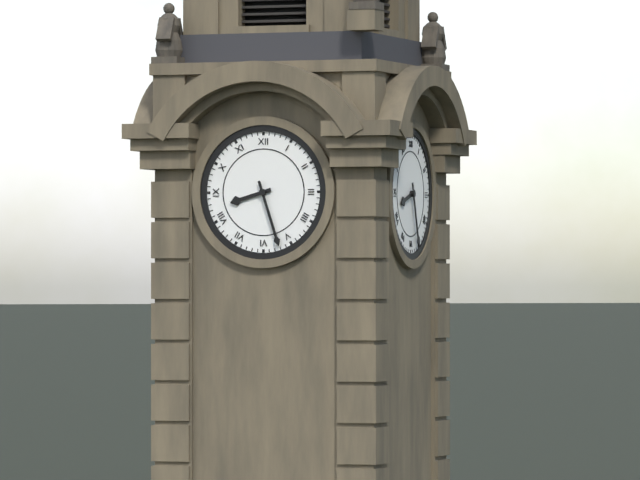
8:27
